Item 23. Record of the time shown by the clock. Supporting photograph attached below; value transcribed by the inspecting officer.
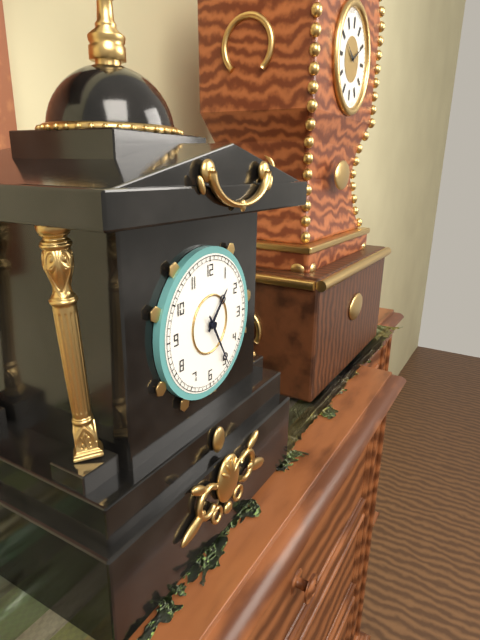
1:25
